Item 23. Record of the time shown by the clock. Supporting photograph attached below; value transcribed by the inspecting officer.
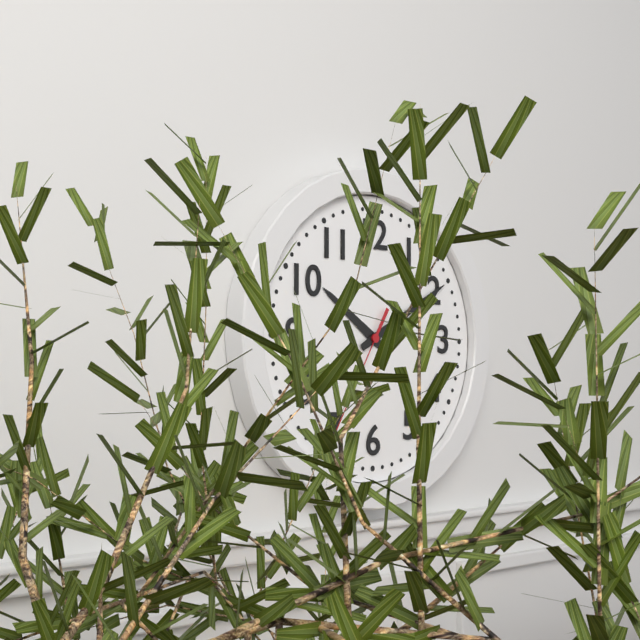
10:10
